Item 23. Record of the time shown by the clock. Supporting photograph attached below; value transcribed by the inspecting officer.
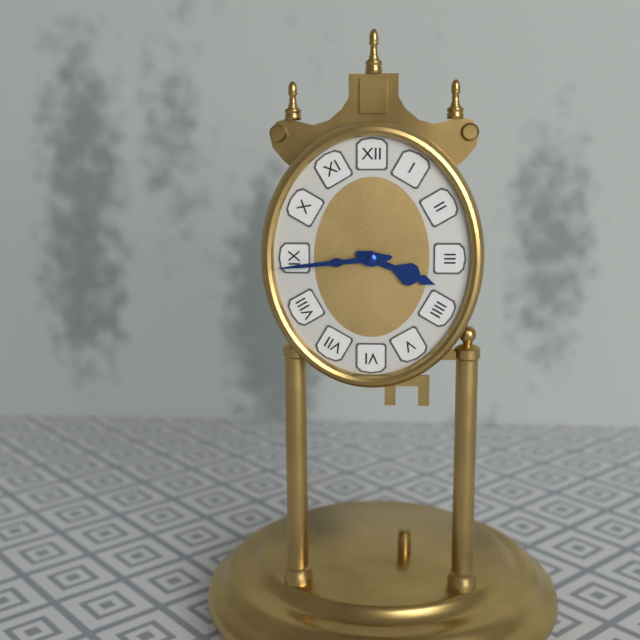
3:44
